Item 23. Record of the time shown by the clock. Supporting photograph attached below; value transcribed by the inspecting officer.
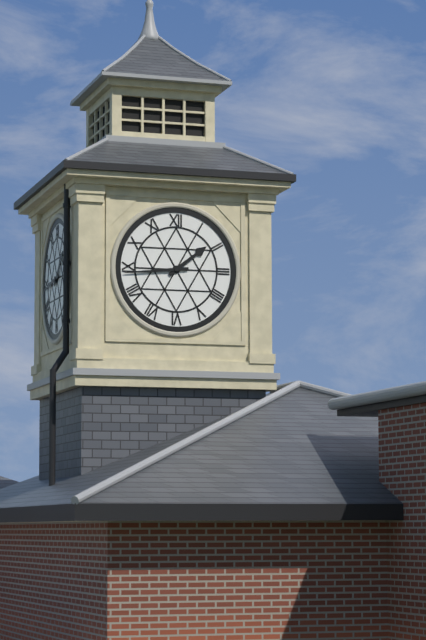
1:44
